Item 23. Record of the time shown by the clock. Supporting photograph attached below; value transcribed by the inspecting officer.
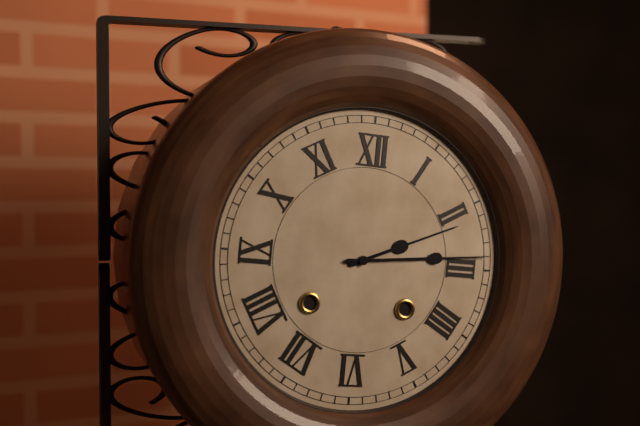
2:14
